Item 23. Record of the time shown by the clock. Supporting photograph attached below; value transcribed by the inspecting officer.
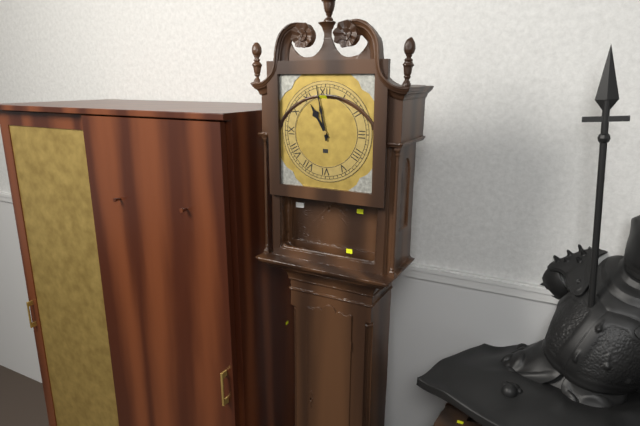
10:58
